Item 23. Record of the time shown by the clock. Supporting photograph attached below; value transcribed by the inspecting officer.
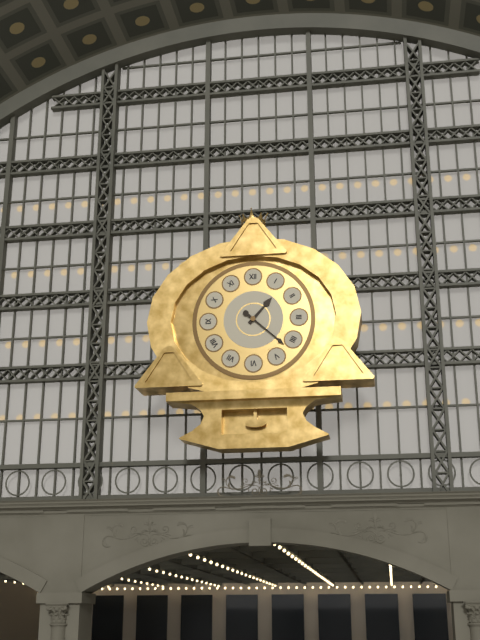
1:22
